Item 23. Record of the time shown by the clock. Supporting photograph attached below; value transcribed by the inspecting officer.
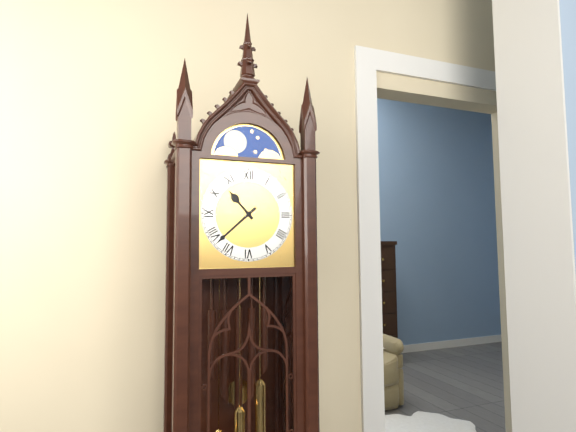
10:38
